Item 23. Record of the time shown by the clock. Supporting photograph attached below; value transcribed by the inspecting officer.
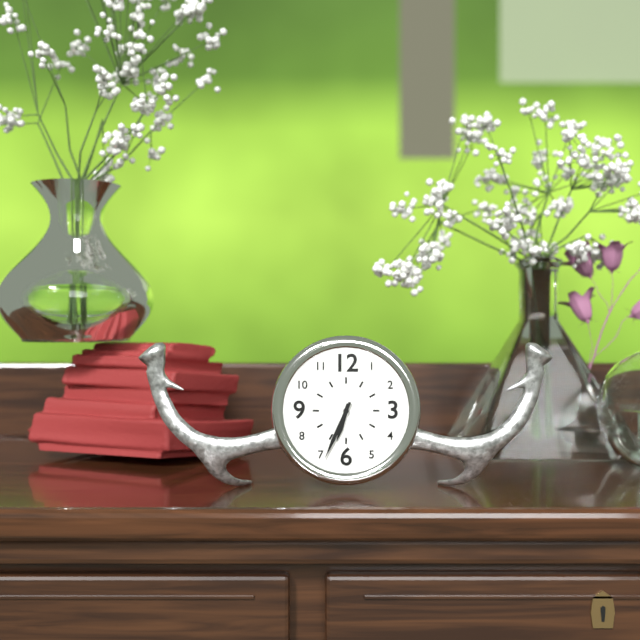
6:34
